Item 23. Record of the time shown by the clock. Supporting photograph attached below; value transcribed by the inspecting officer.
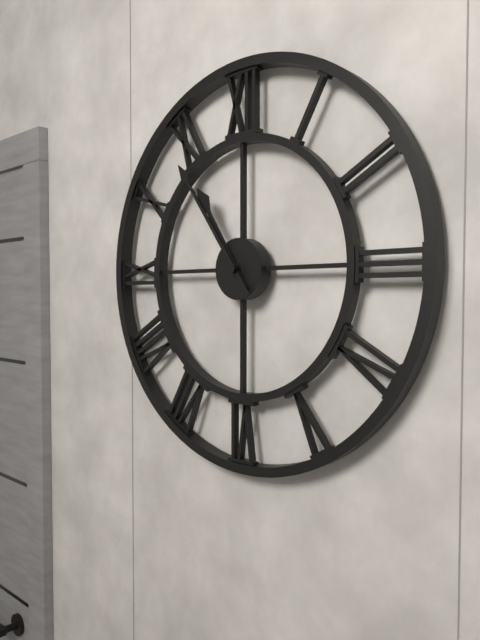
10:54
